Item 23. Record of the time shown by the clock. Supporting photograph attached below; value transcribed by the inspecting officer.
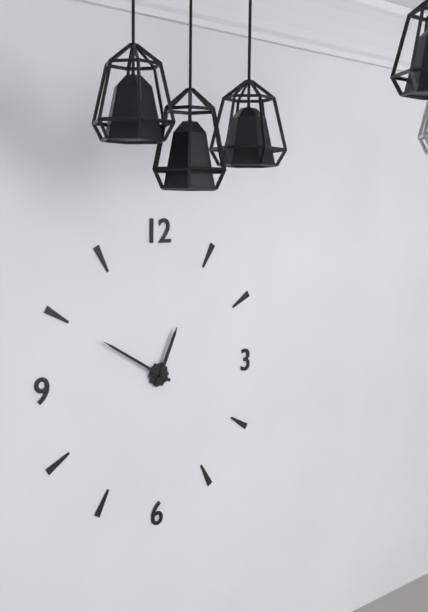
12:50
